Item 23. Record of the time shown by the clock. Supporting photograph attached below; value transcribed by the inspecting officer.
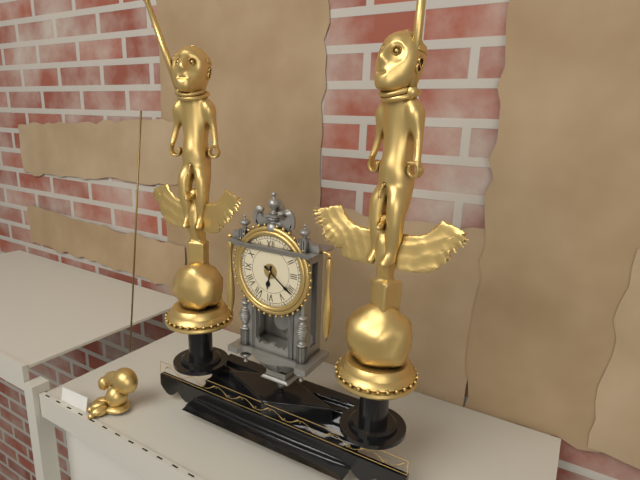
6:21
